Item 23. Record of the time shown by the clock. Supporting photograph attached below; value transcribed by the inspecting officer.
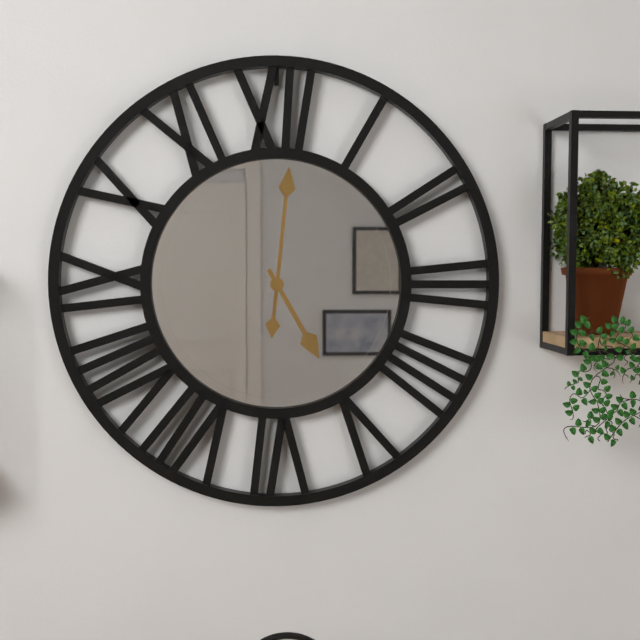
5:01
